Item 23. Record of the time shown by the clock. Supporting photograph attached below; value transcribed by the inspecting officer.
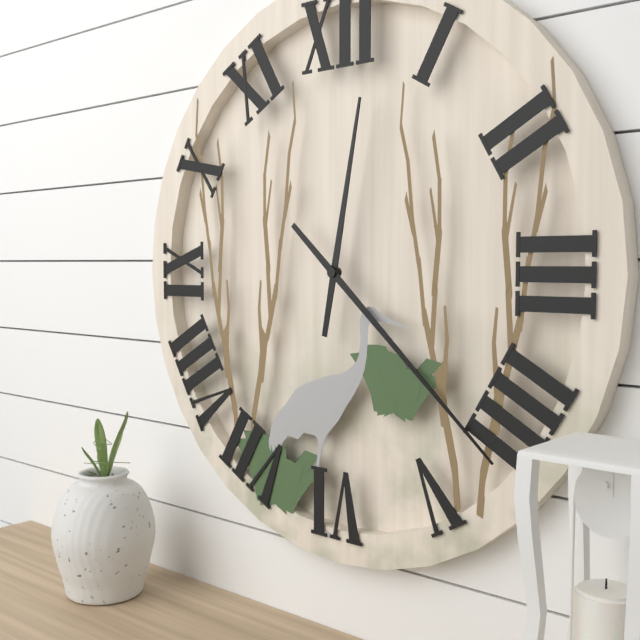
12:22
